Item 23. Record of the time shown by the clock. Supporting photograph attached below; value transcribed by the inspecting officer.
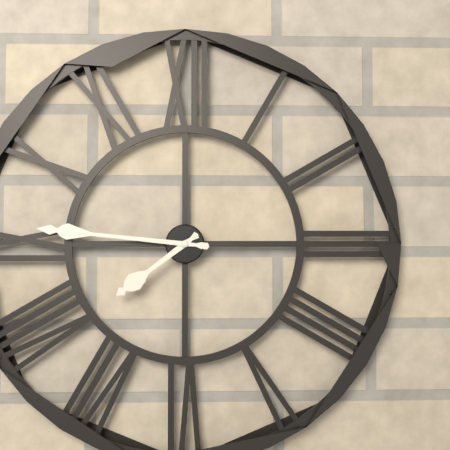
7:46
